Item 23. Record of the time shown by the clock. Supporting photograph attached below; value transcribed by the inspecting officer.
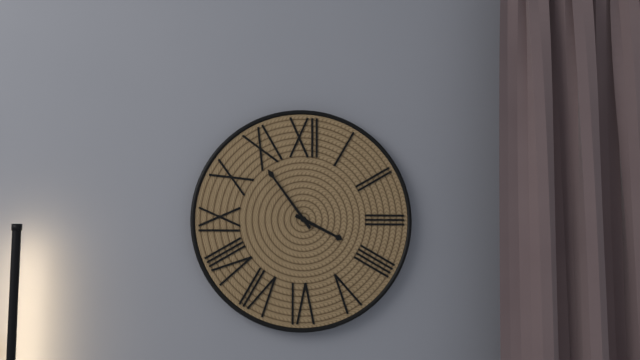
3:54
